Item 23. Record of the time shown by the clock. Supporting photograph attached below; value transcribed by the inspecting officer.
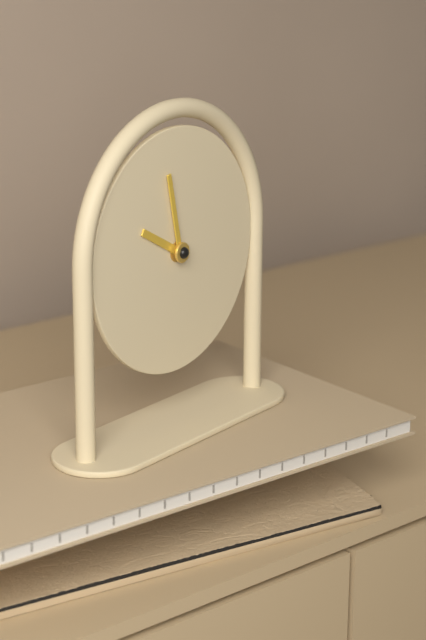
9:58
